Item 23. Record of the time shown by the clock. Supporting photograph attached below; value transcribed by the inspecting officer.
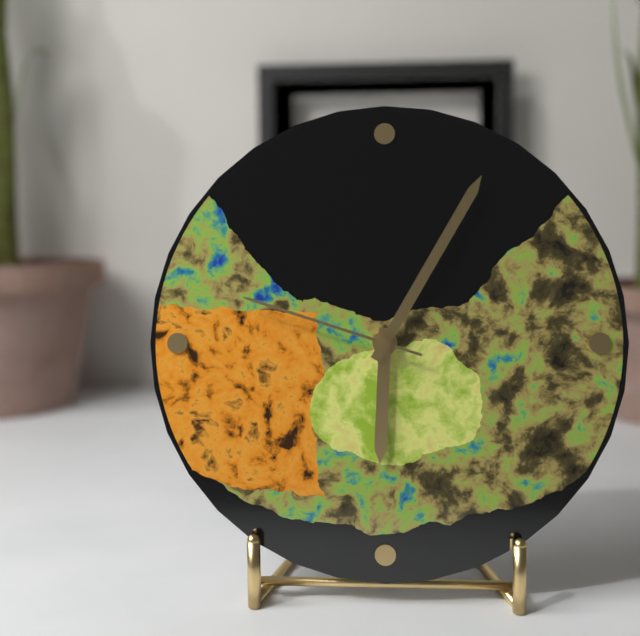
6:05:48
